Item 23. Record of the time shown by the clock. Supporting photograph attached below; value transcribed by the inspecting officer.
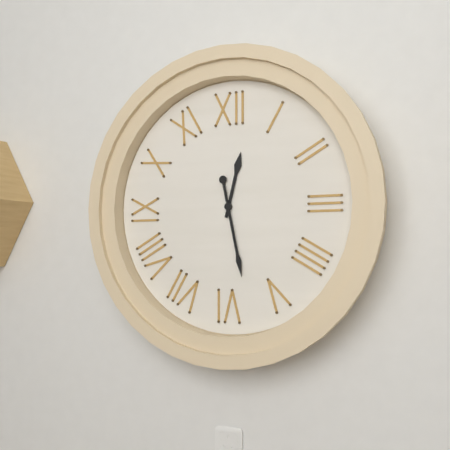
12:28
